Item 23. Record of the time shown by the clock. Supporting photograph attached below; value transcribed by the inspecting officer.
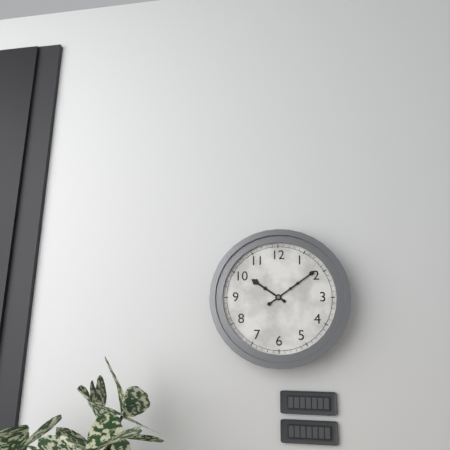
10:09
